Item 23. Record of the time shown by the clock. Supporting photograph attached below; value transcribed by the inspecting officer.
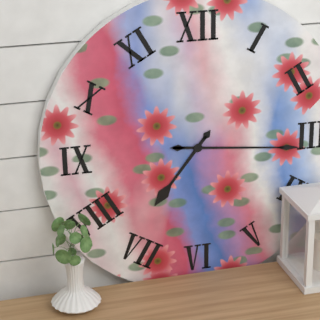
7:16
